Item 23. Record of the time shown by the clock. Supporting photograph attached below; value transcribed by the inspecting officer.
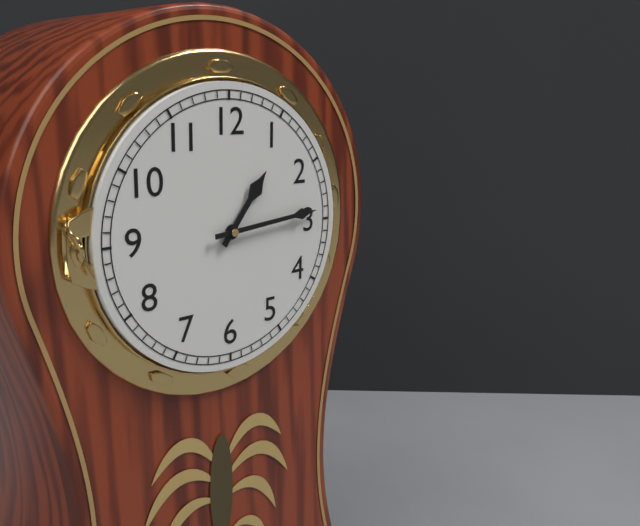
1:14
